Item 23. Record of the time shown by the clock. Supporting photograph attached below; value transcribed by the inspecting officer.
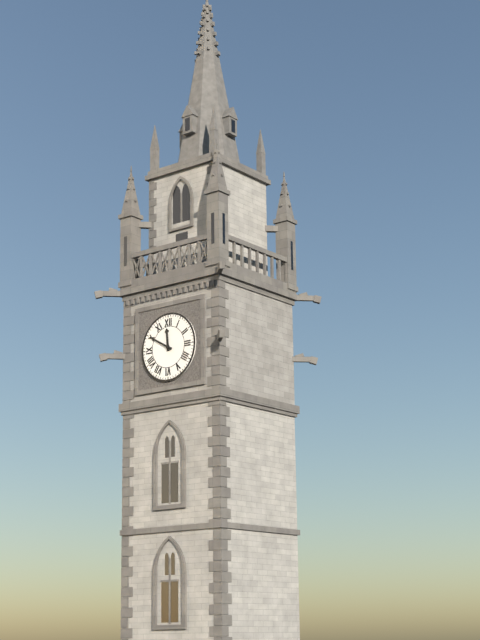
11:50
